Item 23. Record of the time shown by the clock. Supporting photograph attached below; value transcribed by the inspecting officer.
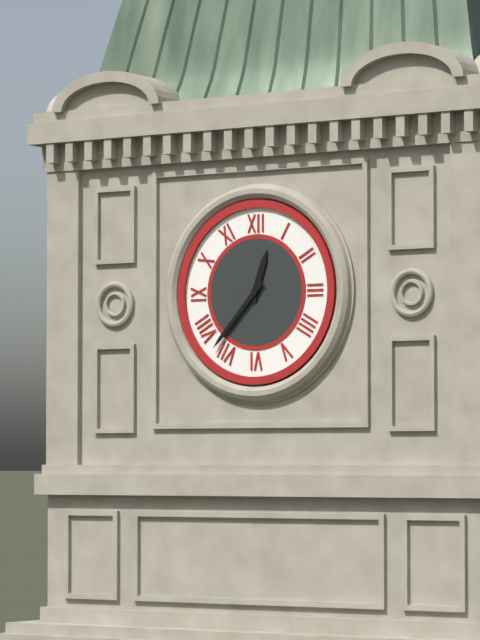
12:37
